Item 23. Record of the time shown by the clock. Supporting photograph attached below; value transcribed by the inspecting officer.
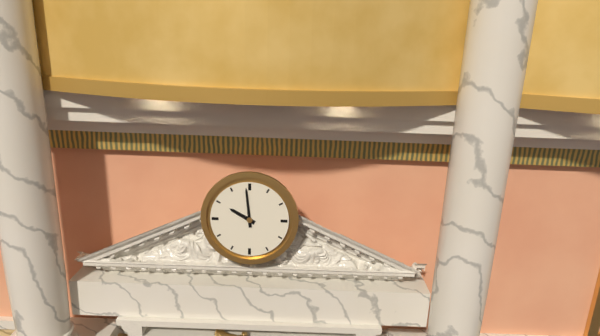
9:59
